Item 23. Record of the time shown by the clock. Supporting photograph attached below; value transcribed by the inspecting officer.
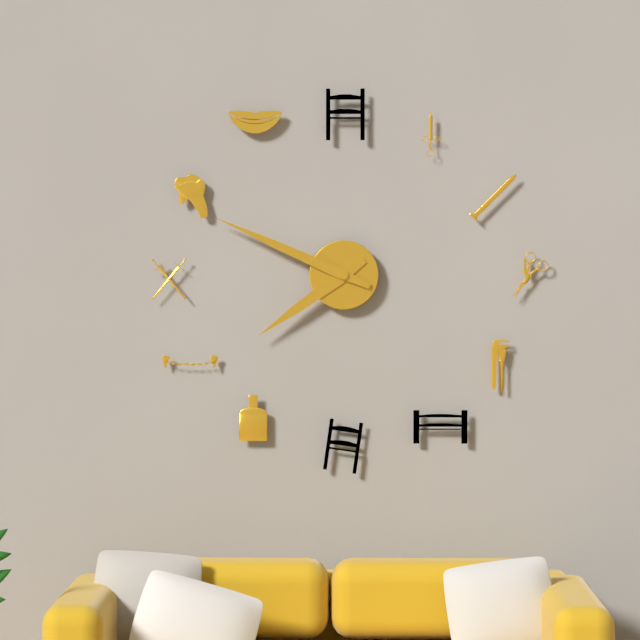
7:49
